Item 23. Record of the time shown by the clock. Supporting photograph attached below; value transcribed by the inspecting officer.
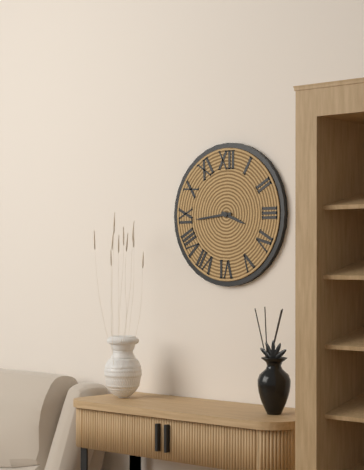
3:44
